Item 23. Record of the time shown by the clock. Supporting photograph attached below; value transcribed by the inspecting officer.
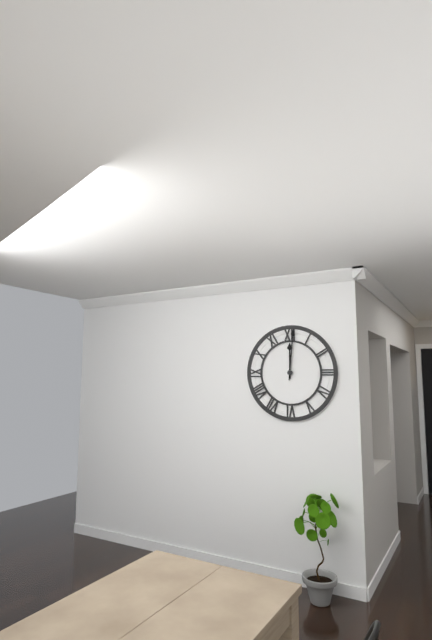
12:01
